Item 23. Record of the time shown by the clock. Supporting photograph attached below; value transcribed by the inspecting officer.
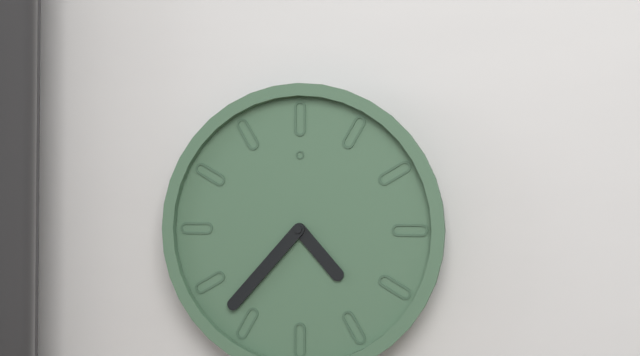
4:37
